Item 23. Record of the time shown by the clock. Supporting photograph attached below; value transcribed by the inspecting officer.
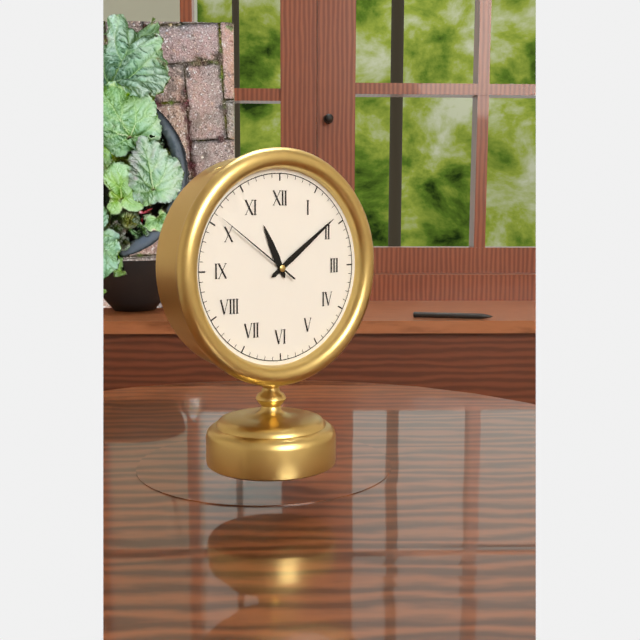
11:09:51
